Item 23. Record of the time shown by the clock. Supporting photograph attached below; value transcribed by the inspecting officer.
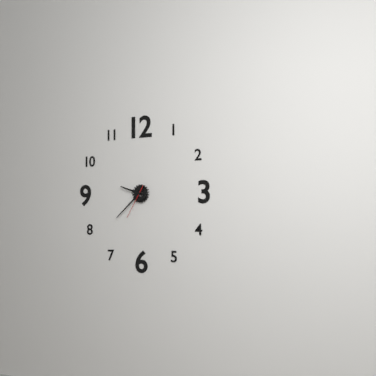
9:38
